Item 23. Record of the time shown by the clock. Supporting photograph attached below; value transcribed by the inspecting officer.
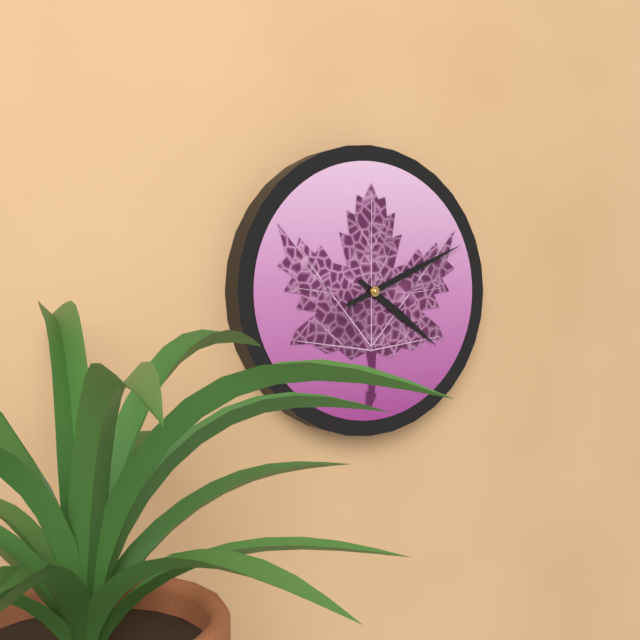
4:11
